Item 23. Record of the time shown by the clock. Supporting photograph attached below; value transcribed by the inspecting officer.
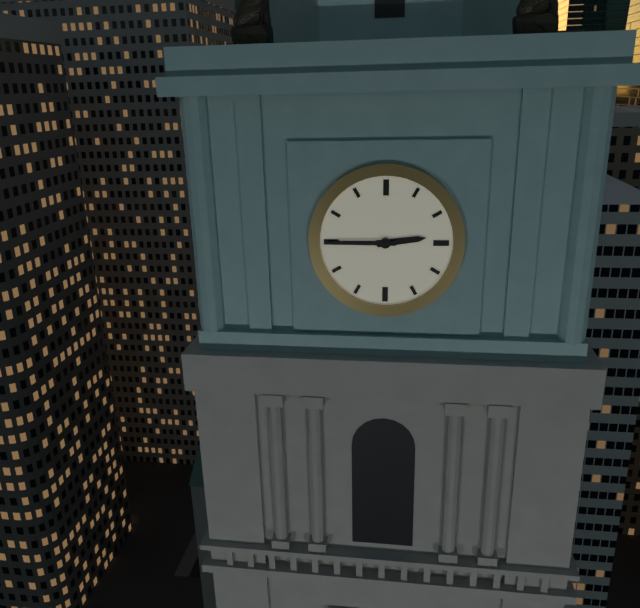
2:45
